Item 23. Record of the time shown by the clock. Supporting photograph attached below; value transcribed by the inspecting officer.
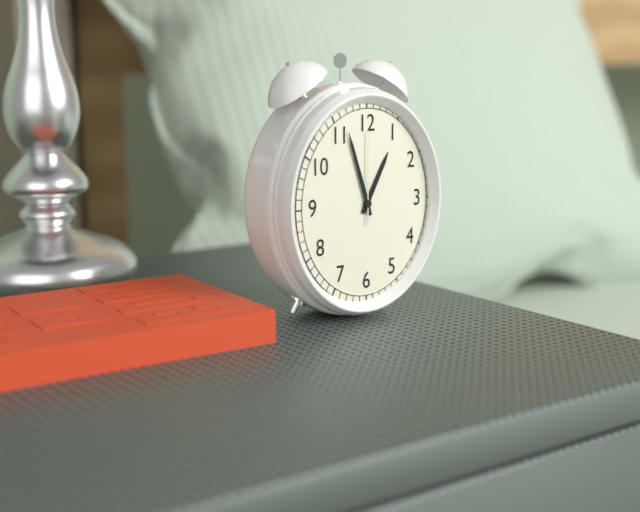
12:57:00
